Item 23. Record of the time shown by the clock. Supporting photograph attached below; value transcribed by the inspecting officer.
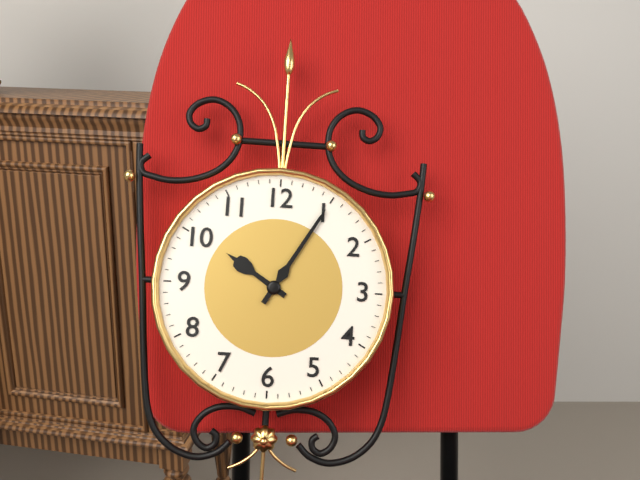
10:05
